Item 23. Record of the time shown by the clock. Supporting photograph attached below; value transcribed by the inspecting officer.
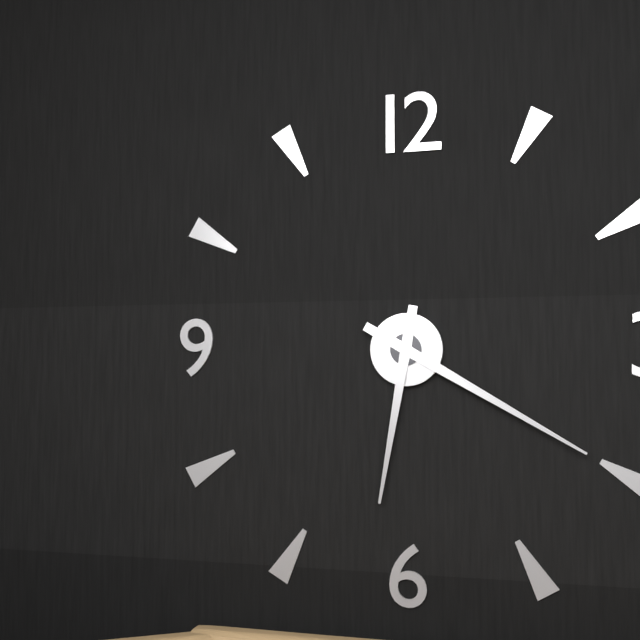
6:20
